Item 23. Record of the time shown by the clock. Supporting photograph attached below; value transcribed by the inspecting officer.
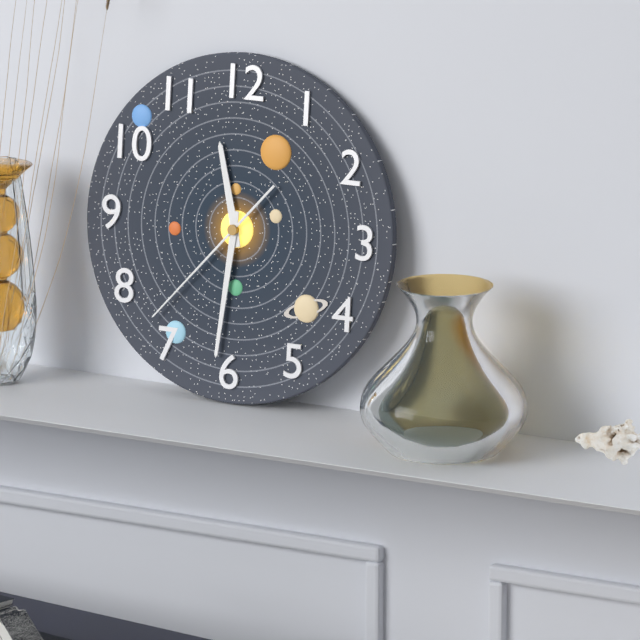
11:31:37
